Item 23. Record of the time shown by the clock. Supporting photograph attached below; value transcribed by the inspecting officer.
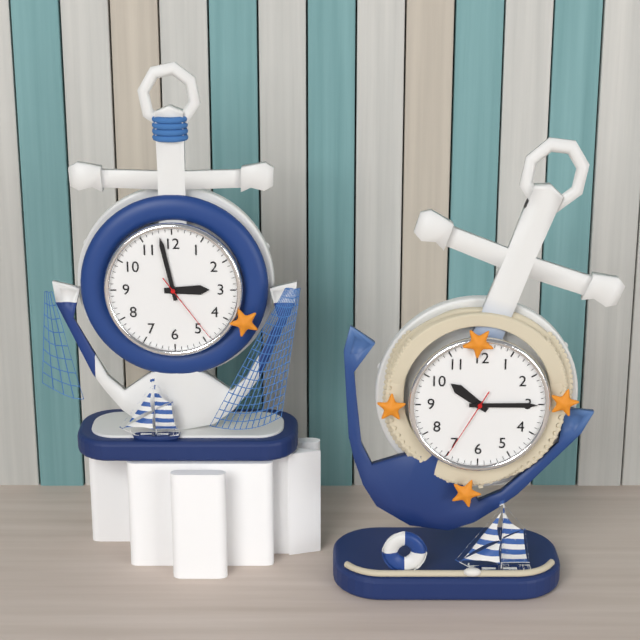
2:58:24
